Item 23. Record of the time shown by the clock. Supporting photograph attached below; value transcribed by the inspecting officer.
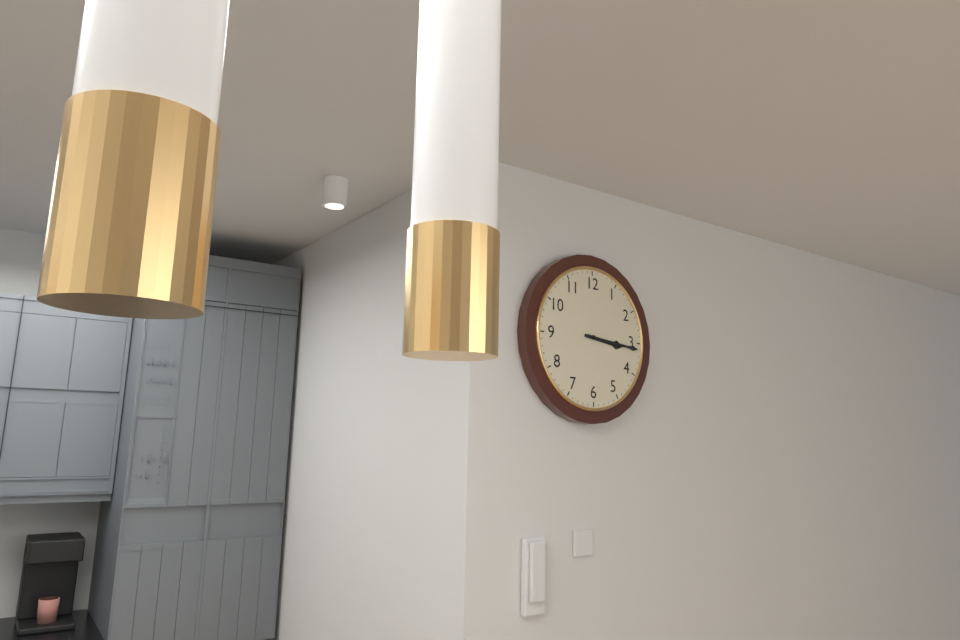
3:16
